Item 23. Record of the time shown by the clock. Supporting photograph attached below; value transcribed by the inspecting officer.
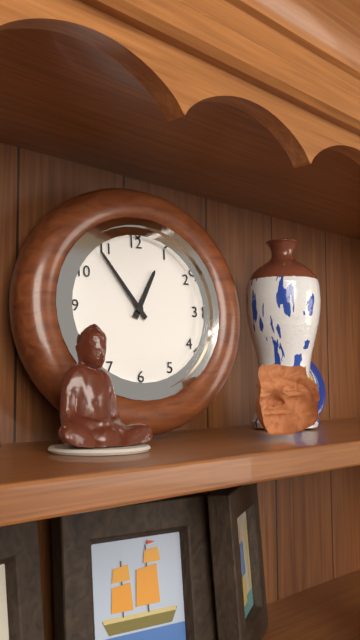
12:54
